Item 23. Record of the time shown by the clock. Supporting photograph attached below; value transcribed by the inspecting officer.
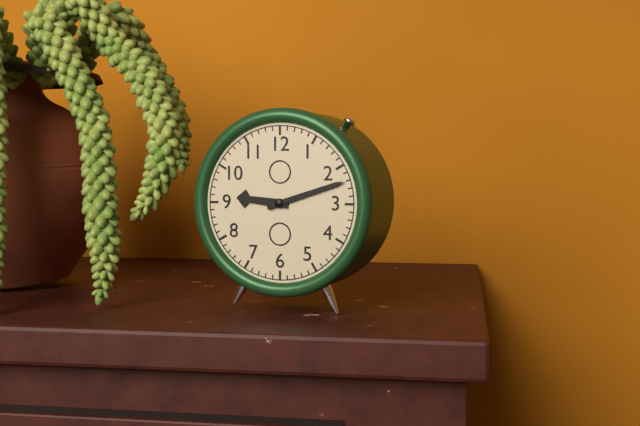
9:12
